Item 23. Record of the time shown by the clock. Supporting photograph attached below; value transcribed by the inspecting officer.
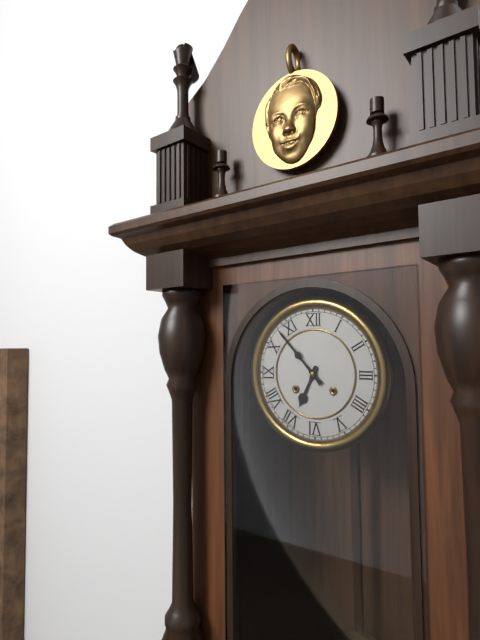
6:53
